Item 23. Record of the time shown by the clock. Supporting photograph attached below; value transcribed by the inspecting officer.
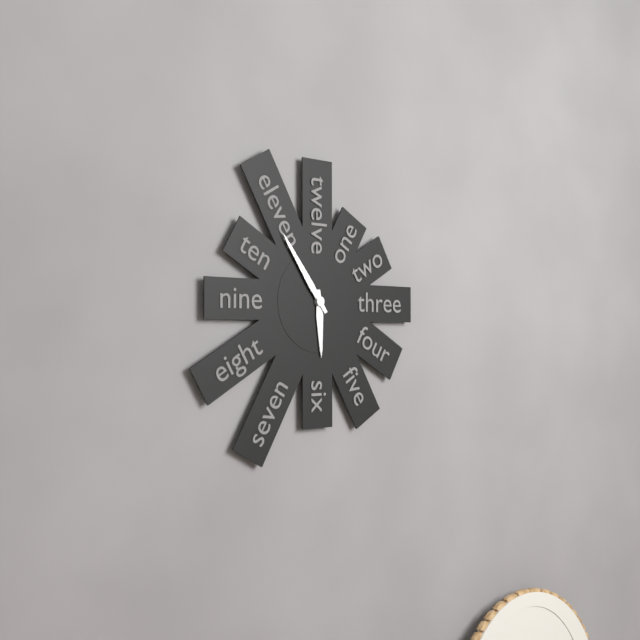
5:54
